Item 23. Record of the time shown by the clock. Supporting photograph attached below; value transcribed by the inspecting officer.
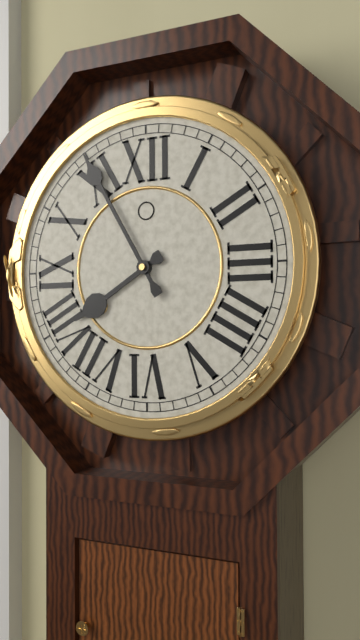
7:55
